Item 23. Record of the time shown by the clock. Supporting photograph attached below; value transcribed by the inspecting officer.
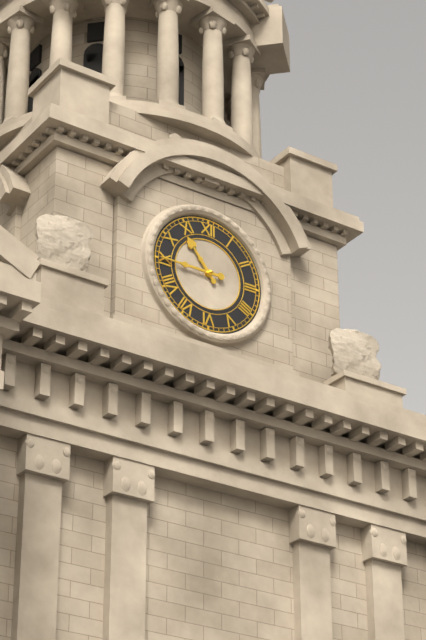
10:45
